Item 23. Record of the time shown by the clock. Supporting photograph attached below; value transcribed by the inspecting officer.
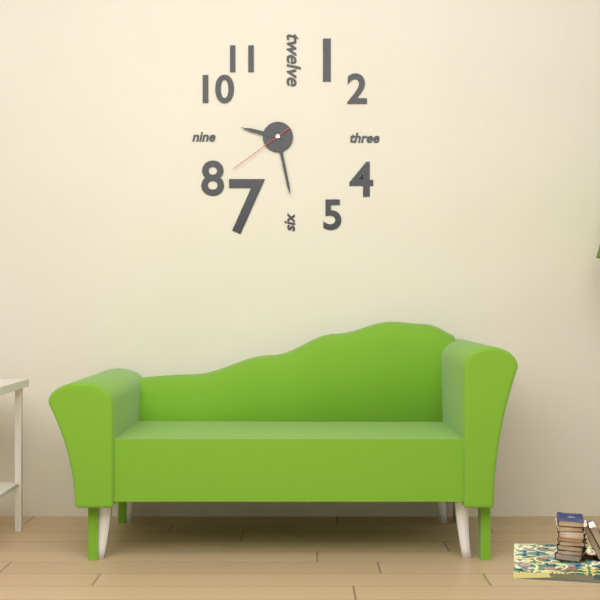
9:28:39
